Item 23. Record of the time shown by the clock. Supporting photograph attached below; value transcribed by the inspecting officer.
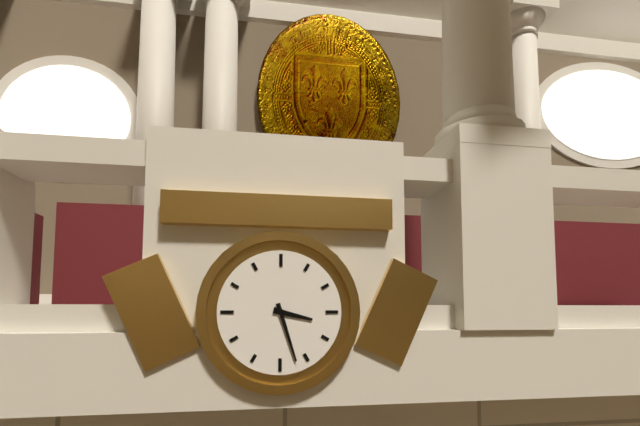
3:27
